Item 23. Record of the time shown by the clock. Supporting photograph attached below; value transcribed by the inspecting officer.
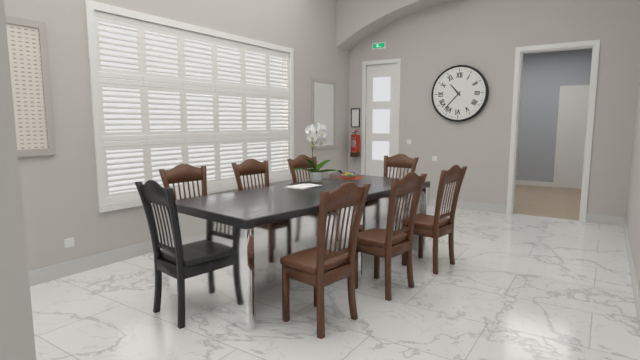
10:37
